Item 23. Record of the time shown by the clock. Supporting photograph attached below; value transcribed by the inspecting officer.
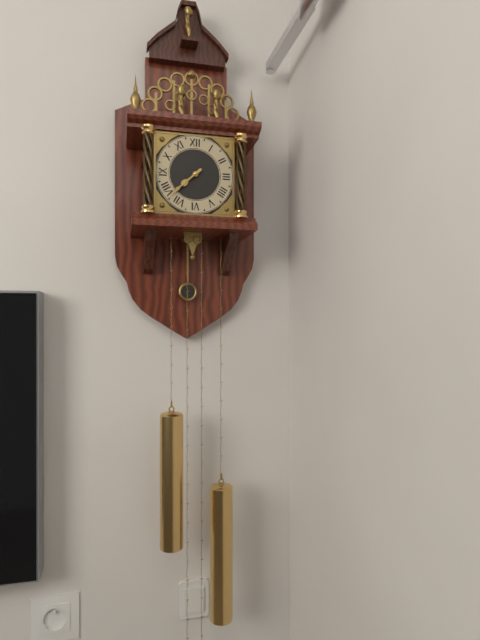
7:38
